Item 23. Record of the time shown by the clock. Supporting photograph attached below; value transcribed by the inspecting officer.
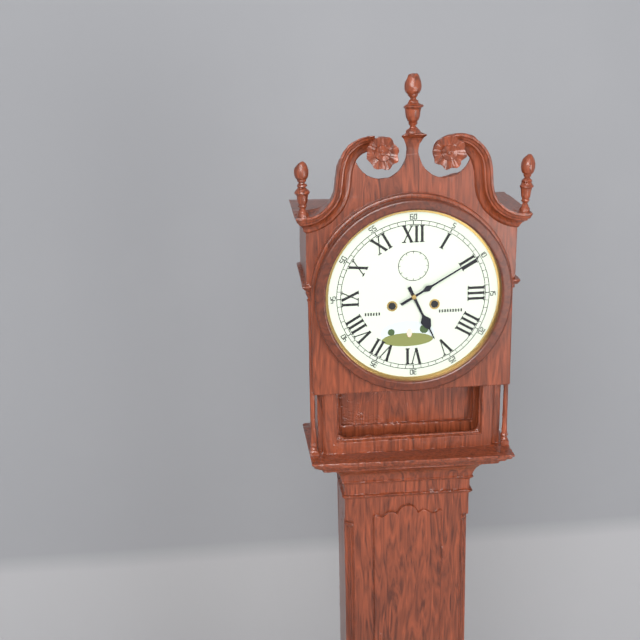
5:10
